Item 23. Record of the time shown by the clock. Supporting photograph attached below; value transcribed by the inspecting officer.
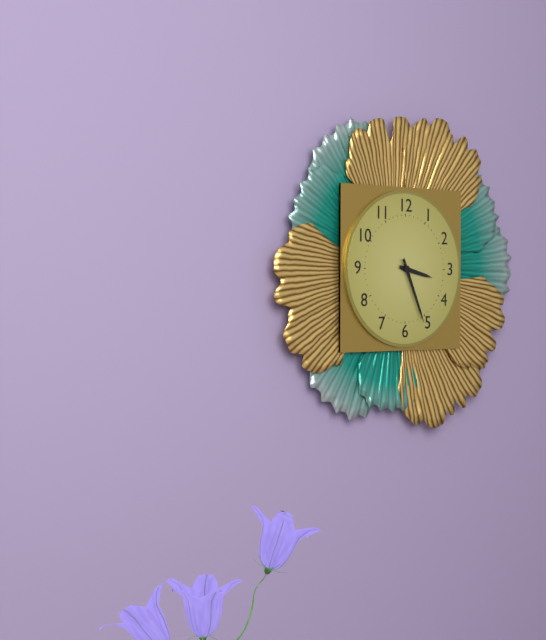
3:26
